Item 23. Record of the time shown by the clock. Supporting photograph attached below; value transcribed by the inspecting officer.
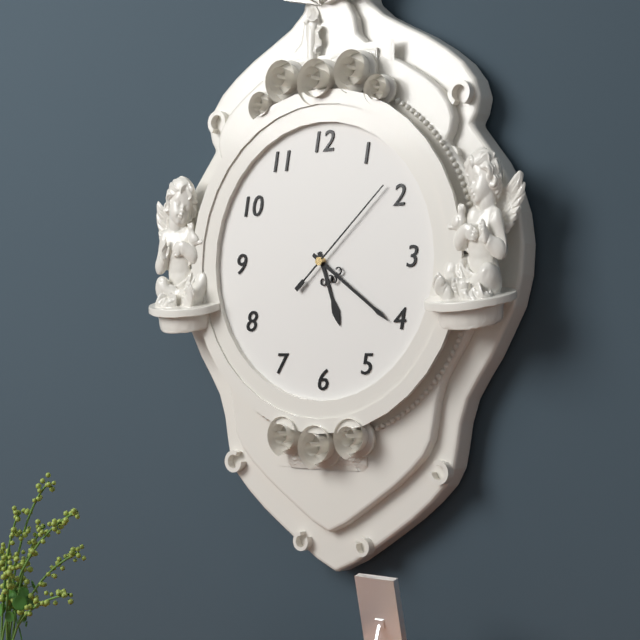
5:21:08
